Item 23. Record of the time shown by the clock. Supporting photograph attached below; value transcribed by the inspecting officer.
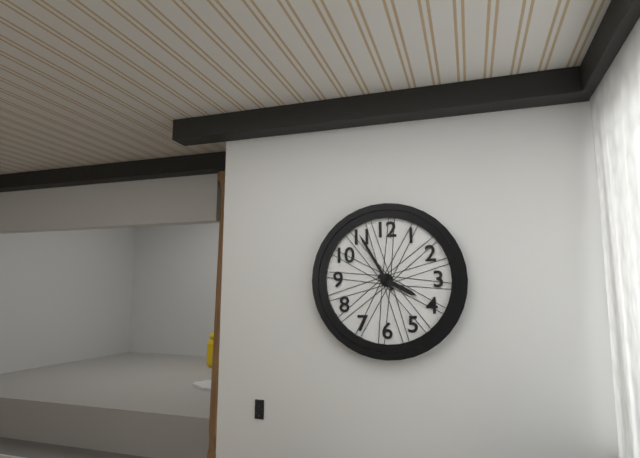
3:55
